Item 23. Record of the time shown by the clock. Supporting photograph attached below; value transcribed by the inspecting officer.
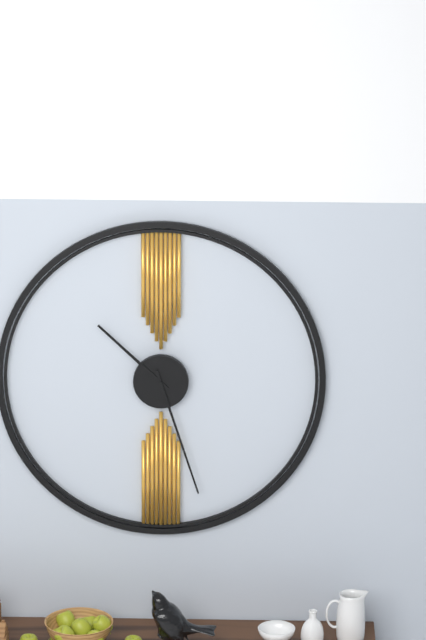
10:27
